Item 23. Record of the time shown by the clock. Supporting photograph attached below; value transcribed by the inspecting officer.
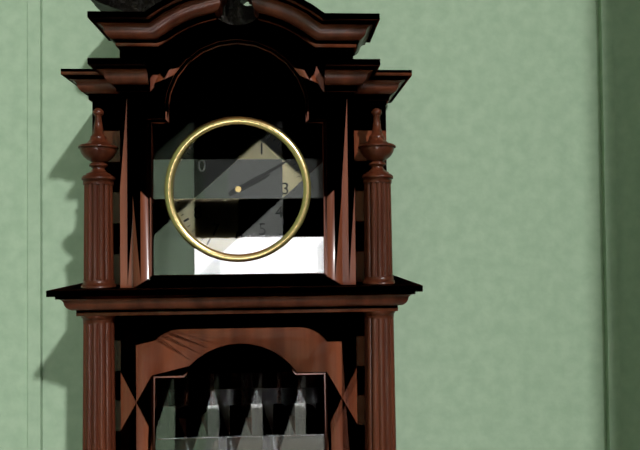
2:10
